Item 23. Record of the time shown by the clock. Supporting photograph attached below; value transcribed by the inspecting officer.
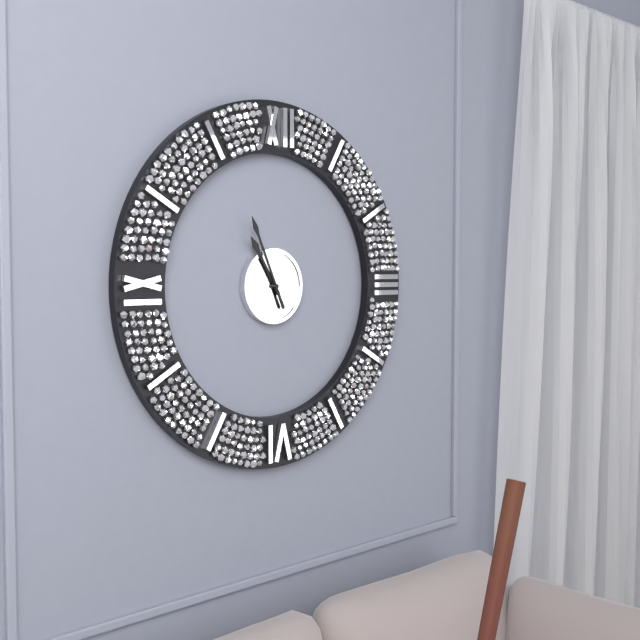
10:56
